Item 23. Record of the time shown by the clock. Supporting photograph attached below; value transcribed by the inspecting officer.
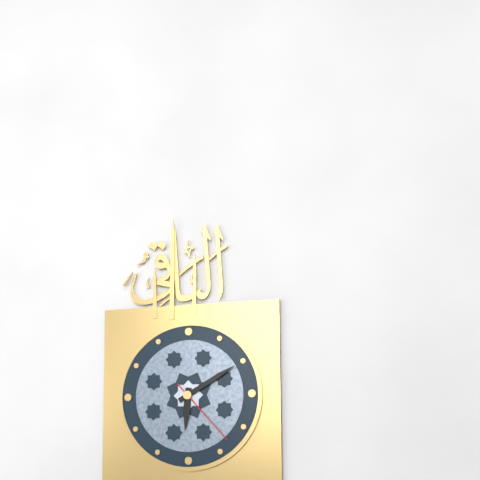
6:10:23
